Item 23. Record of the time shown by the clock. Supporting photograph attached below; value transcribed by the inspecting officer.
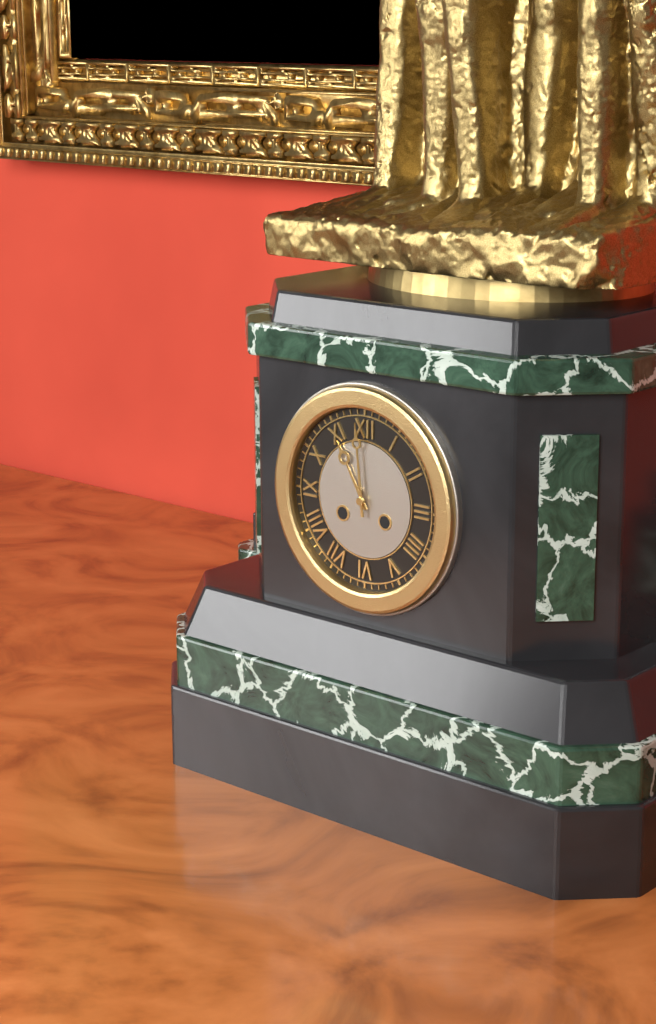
10:59
